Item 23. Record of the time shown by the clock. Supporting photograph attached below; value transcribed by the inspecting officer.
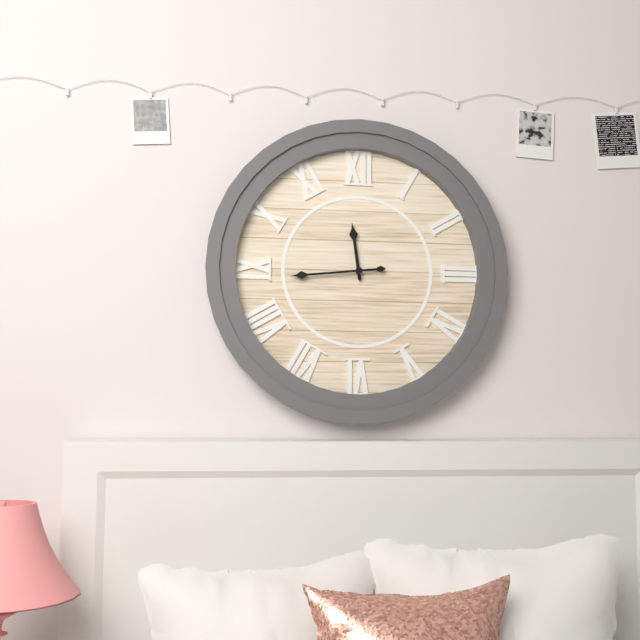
11:44
